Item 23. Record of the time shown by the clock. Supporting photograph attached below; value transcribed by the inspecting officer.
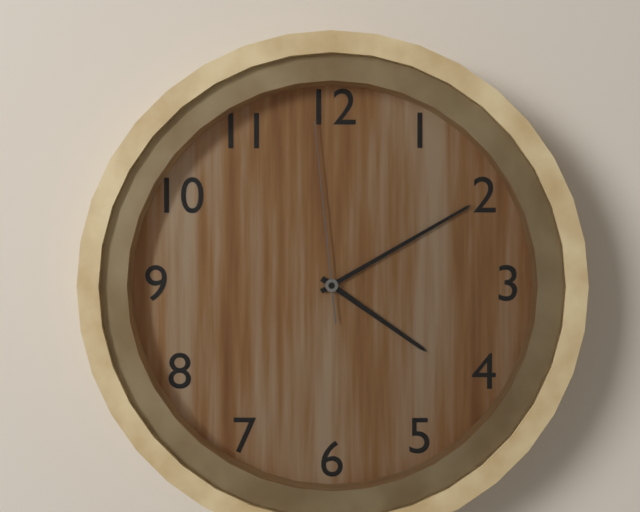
4:10:59
